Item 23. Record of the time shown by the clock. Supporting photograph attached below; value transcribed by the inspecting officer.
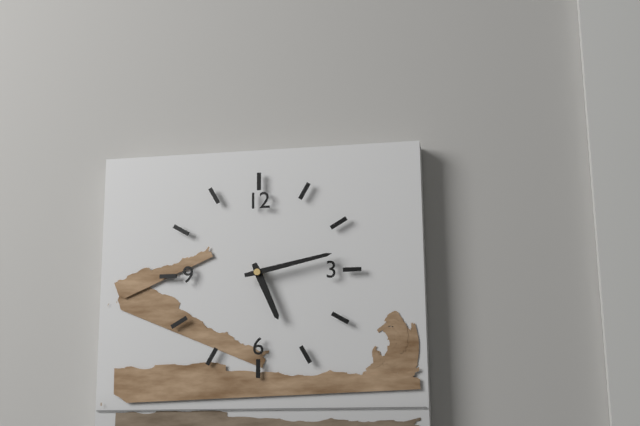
5:13
